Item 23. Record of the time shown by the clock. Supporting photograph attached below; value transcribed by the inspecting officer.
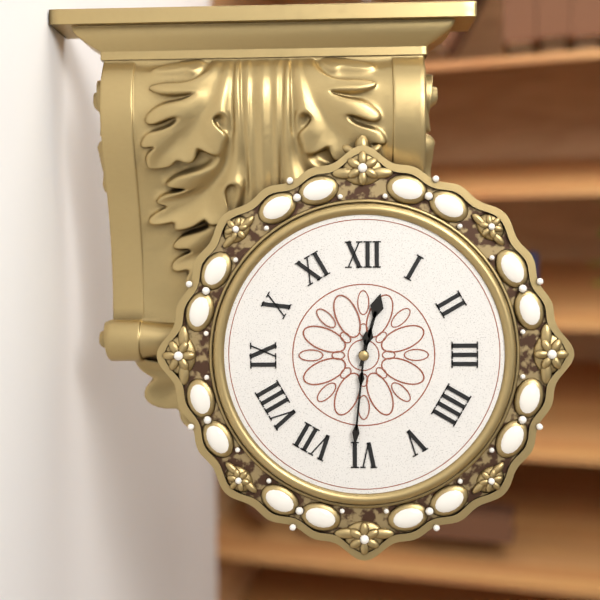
12:31
